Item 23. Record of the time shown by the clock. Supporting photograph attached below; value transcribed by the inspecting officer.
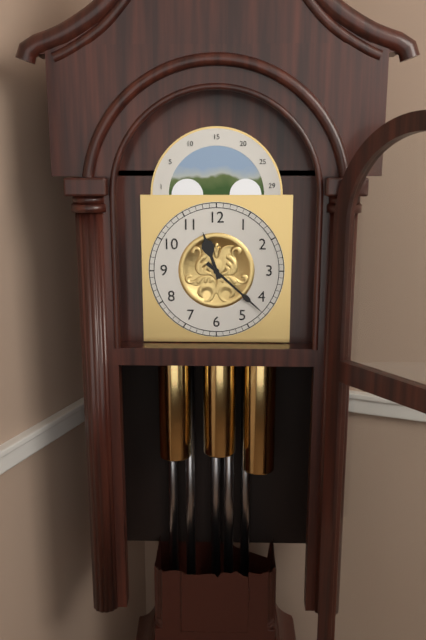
11:22
